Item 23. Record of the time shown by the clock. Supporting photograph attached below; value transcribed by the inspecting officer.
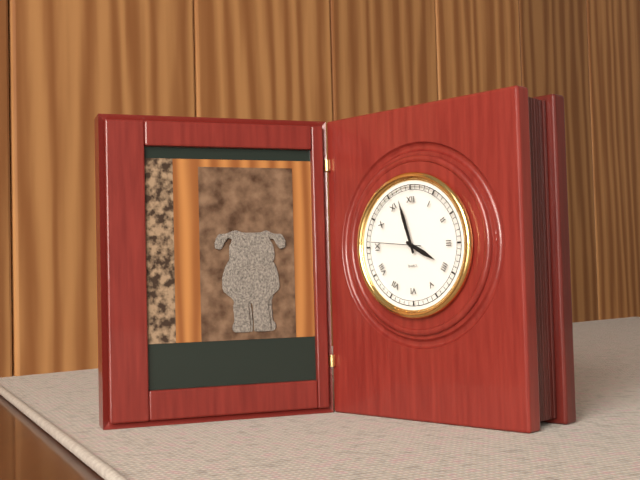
3:57:46
